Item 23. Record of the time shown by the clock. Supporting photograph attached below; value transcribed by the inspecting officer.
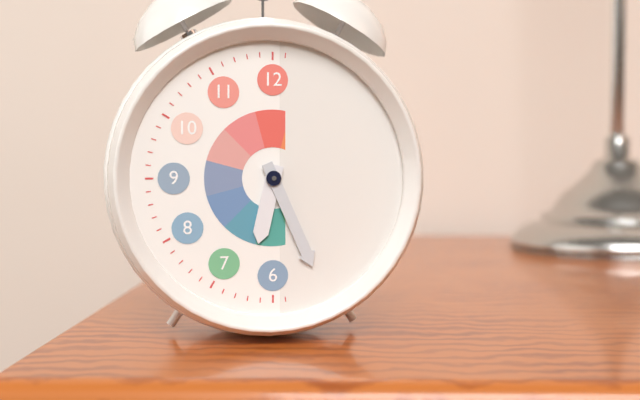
6:26
